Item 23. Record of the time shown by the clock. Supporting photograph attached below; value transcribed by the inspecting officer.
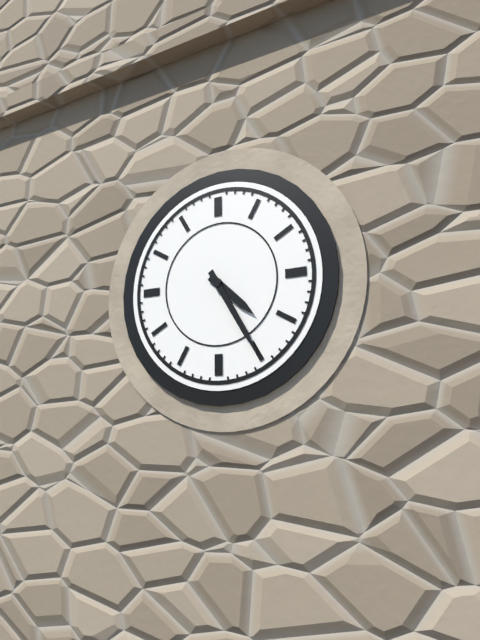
4:25
